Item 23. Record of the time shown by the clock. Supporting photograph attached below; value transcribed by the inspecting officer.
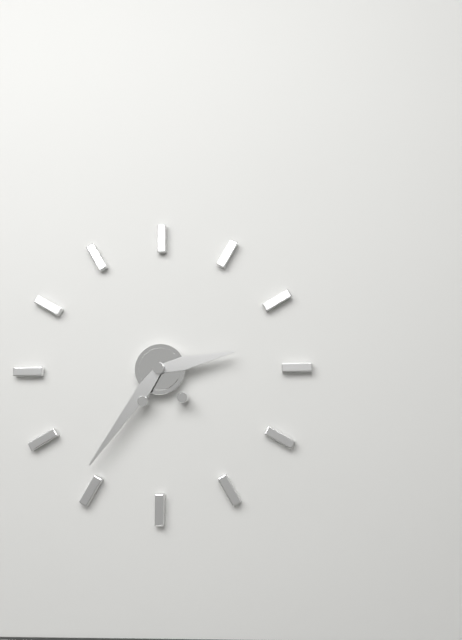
2:36
